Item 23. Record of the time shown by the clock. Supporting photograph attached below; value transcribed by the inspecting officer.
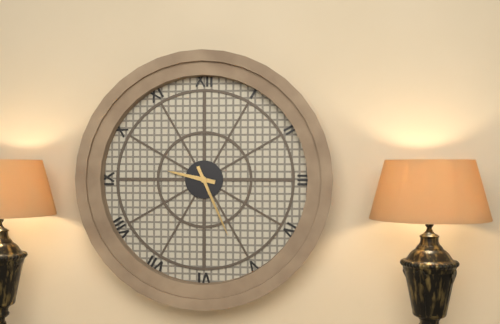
9:26
